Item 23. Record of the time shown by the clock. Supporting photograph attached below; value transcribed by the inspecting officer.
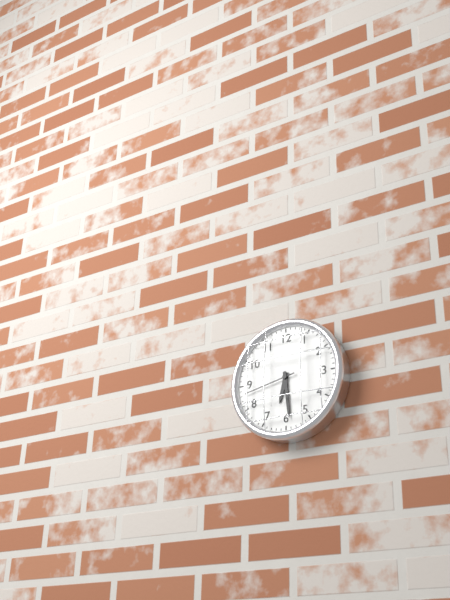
6:29:43
